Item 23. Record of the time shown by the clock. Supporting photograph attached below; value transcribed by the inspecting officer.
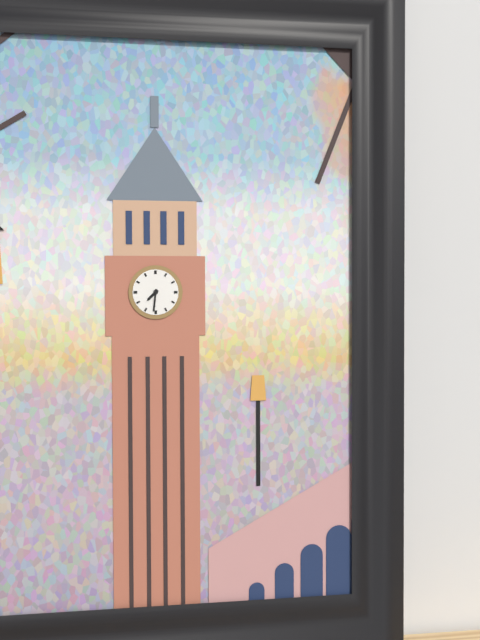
7:31
